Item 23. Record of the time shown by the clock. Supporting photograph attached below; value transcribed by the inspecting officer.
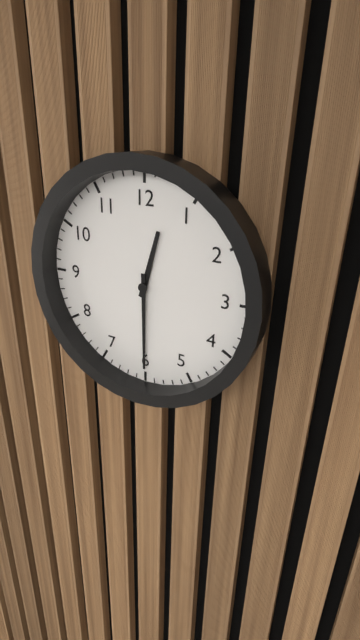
12:30
